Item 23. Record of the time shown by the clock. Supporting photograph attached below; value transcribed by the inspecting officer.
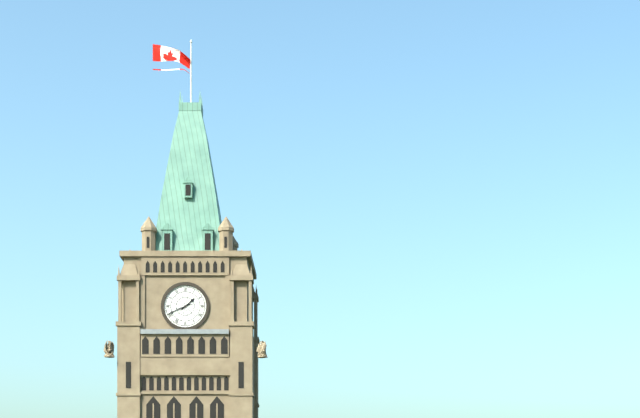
1:41
